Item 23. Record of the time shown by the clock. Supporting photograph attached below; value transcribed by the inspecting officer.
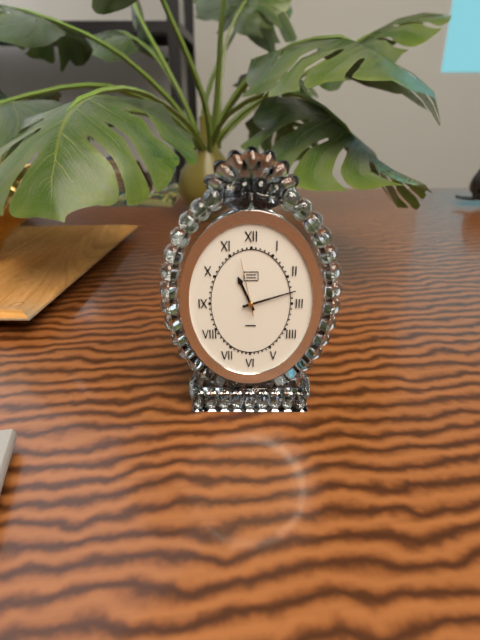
11:12
